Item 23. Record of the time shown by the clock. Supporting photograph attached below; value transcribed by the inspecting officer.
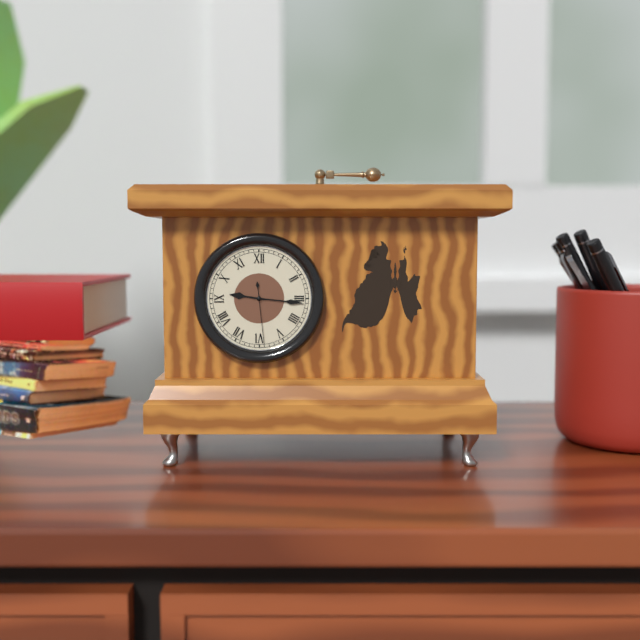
9:16:29
